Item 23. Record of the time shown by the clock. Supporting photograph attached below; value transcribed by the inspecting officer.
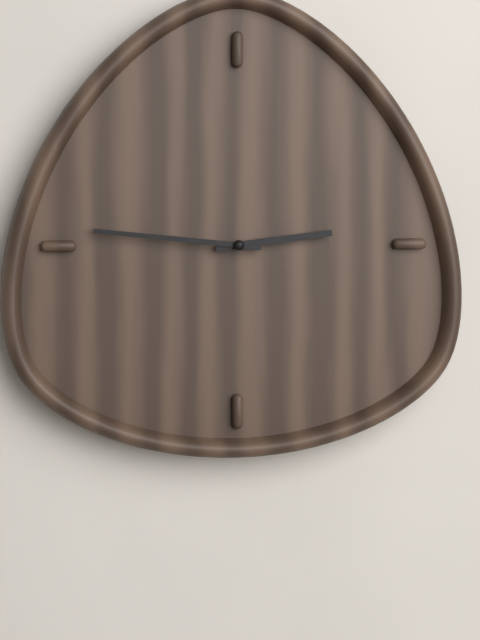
2:46
